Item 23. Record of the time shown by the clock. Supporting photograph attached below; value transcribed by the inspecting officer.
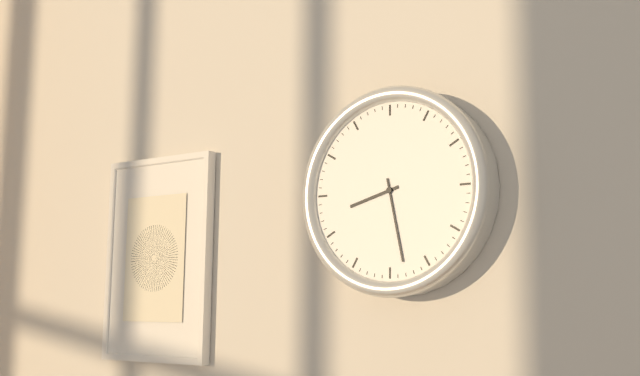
8:28
